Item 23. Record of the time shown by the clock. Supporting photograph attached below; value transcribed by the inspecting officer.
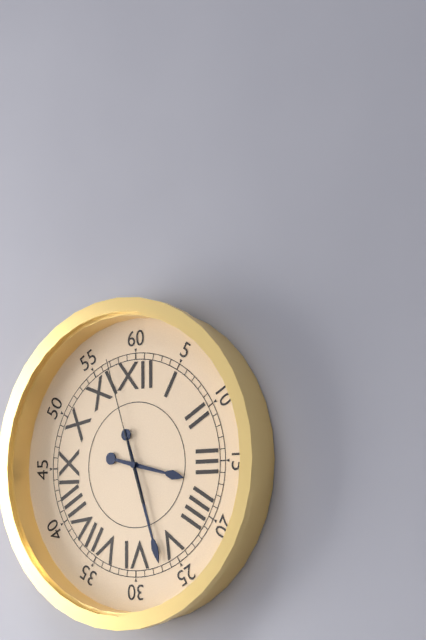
3:27:57
